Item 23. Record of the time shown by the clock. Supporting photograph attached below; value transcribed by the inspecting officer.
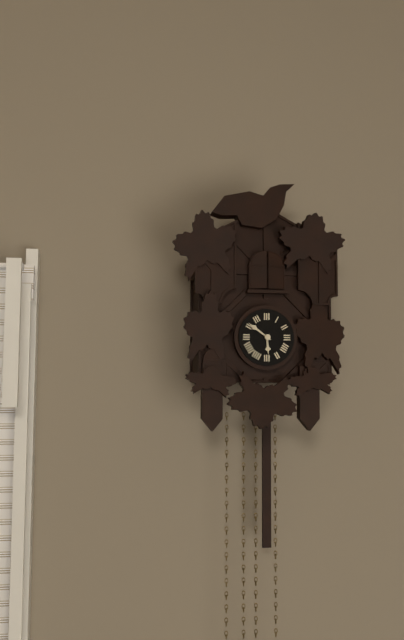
5:51
